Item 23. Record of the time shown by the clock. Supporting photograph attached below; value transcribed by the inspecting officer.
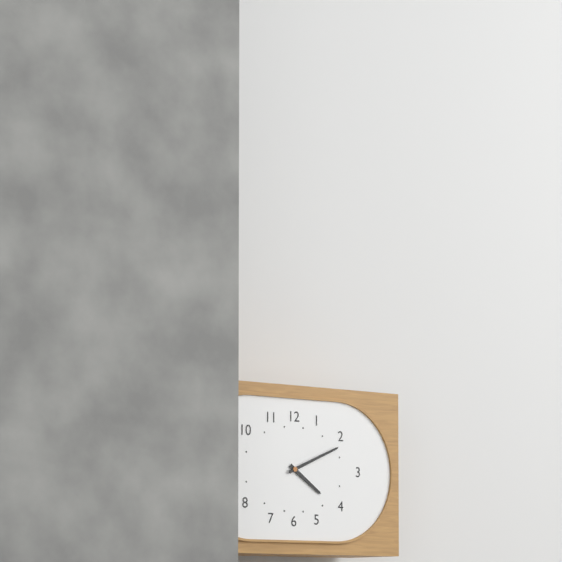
4:11
